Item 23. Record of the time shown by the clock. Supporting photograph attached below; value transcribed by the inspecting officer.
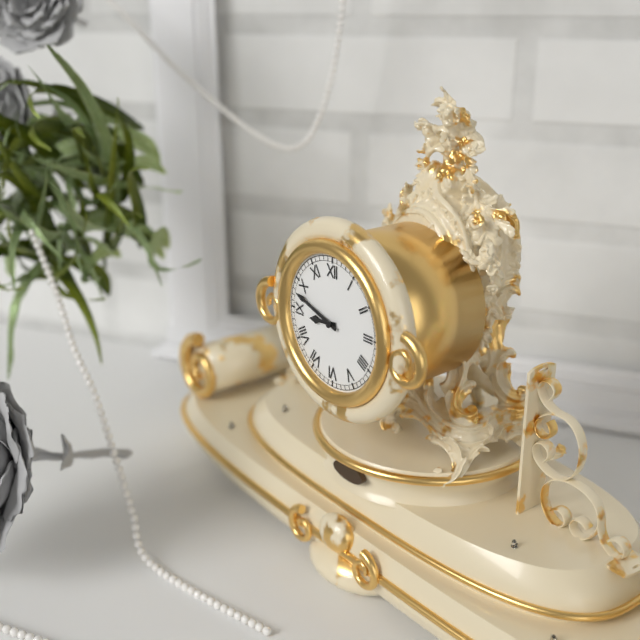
8:48
